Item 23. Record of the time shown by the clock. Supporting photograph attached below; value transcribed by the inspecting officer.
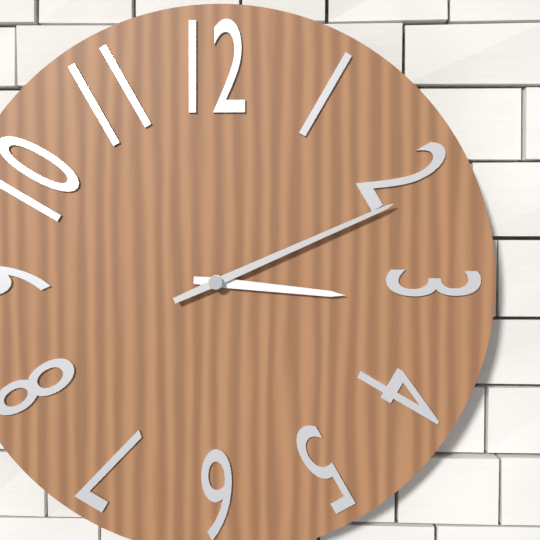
3:11
